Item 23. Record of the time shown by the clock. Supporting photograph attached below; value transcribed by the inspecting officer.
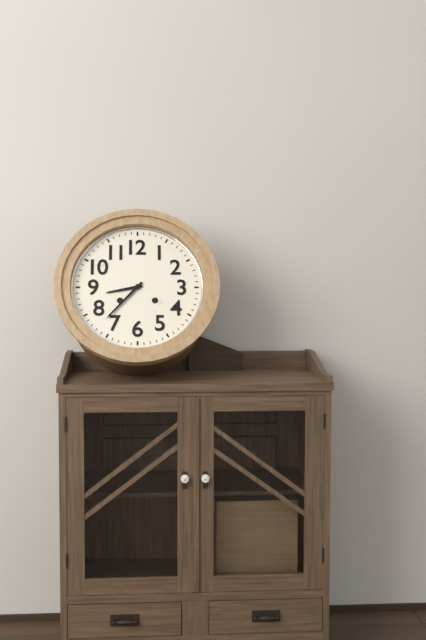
8:37
